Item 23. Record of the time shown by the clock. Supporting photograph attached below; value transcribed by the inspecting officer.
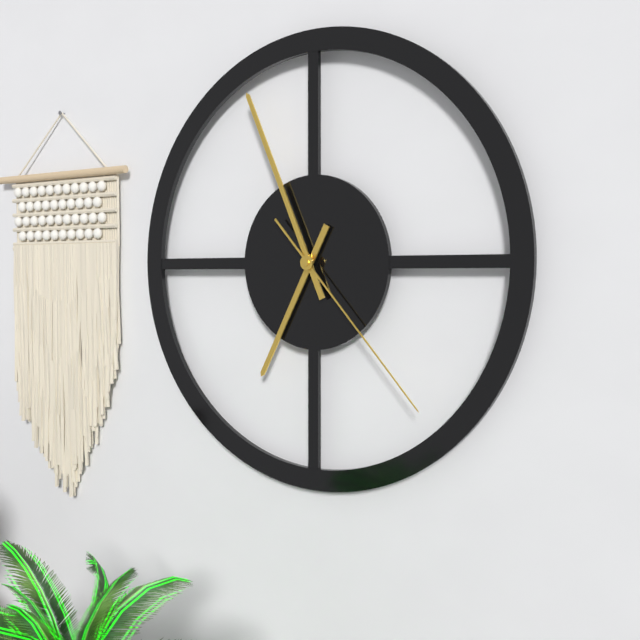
6:56:23
